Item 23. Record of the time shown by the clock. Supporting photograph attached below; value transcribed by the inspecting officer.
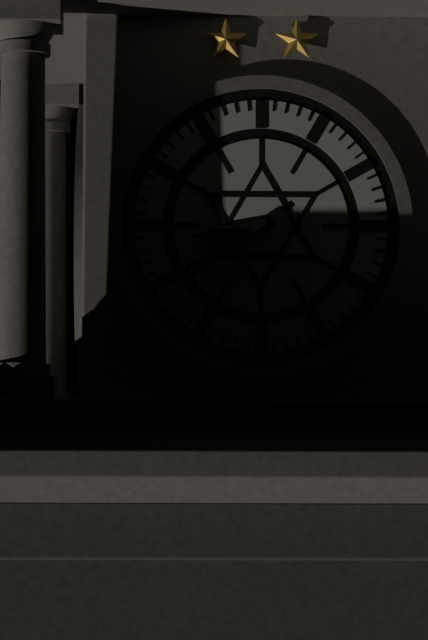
8:39
